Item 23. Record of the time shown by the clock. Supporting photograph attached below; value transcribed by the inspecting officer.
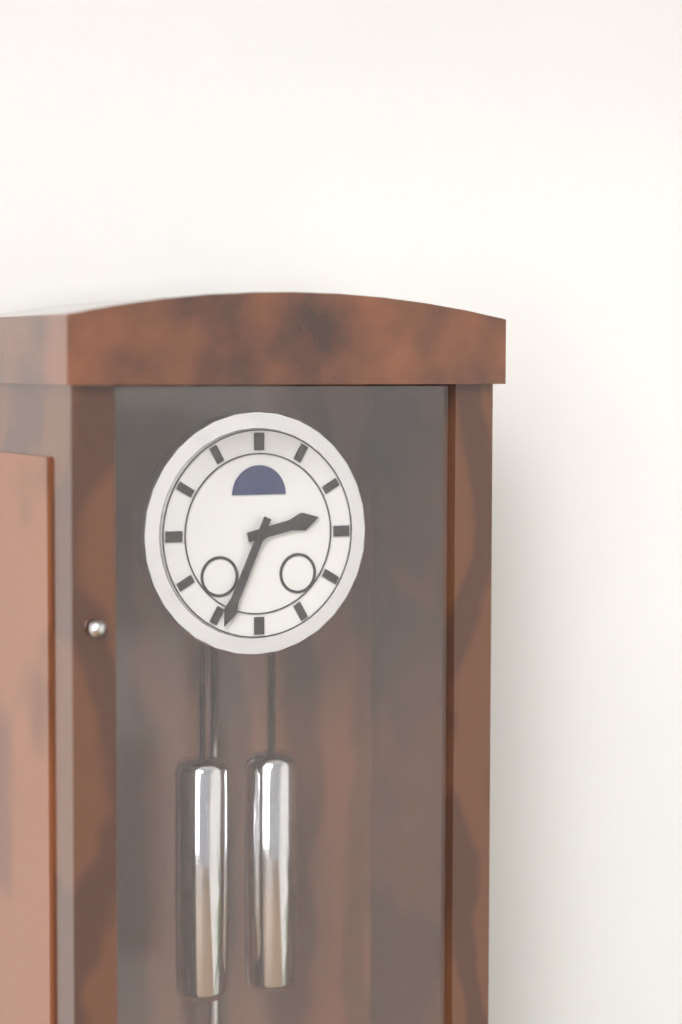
2:34
